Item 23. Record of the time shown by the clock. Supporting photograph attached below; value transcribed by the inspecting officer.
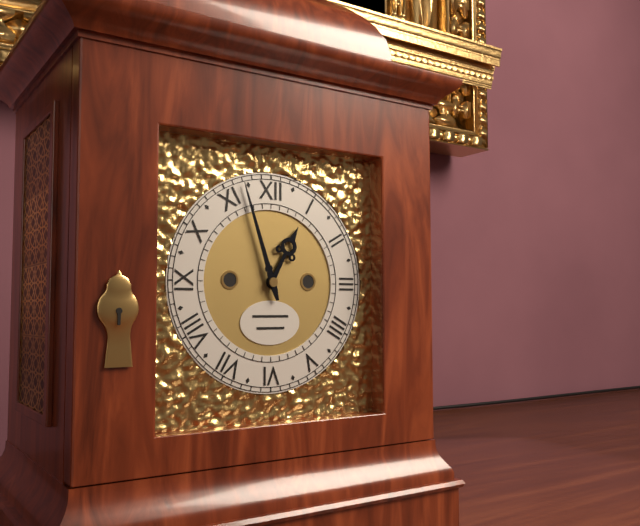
12:57
